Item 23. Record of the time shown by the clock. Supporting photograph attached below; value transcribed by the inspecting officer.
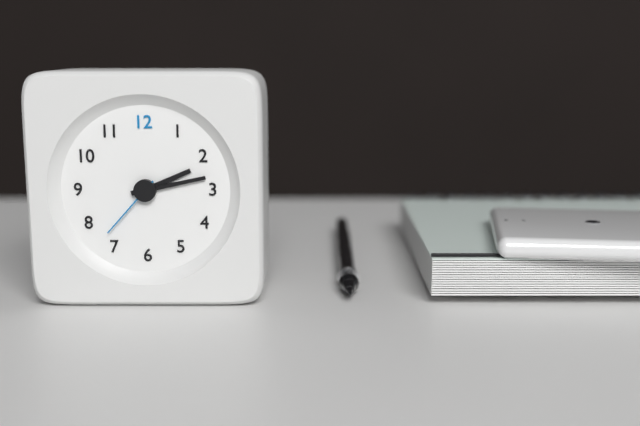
2:13:37
